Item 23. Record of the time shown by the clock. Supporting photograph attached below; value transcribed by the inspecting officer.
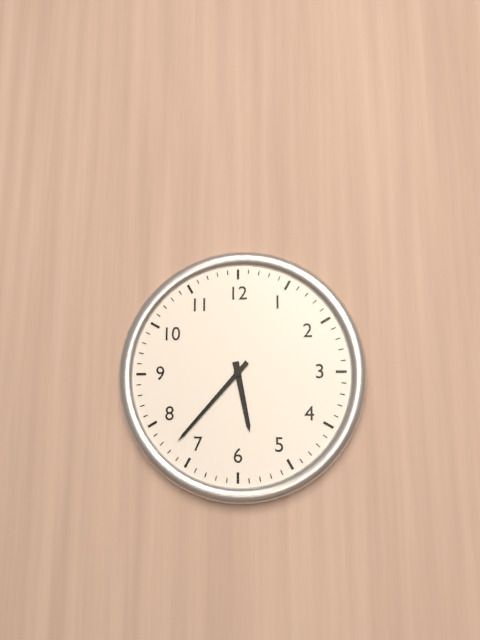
5:37
